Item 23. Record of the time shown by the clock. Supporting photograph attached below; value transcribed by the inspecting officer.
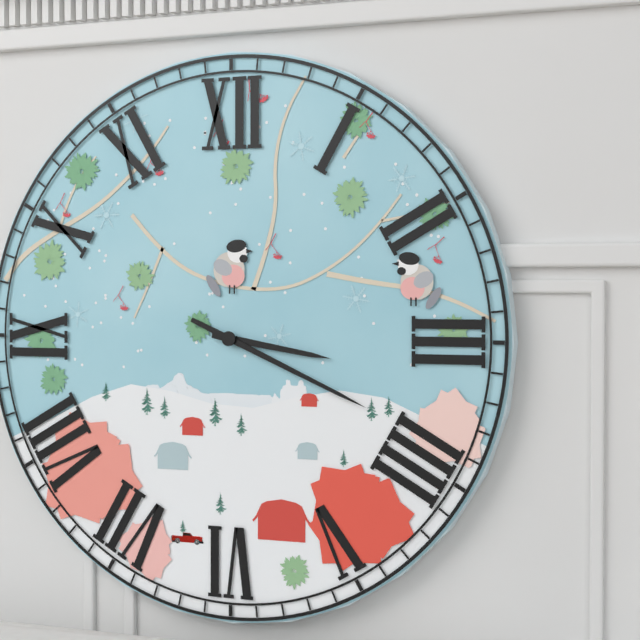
3:19
